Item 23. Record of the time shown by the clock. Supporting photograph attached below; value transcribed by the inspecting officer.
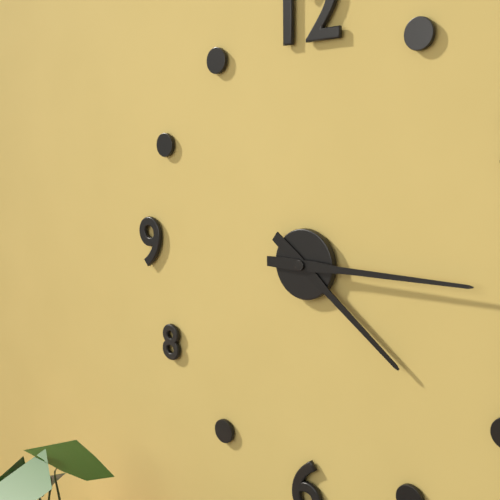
4:15
